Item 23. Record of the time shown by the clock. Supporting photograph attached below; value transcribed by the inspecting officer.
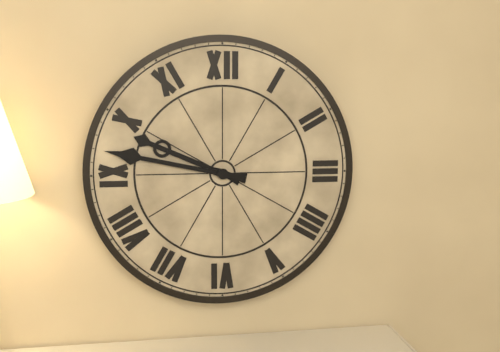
9:47
